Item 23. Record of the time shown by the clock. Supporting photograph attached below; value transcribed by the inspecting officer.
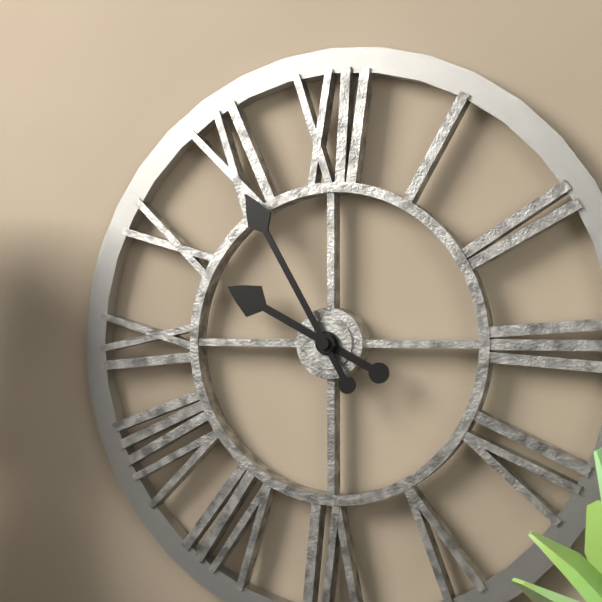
9:55
